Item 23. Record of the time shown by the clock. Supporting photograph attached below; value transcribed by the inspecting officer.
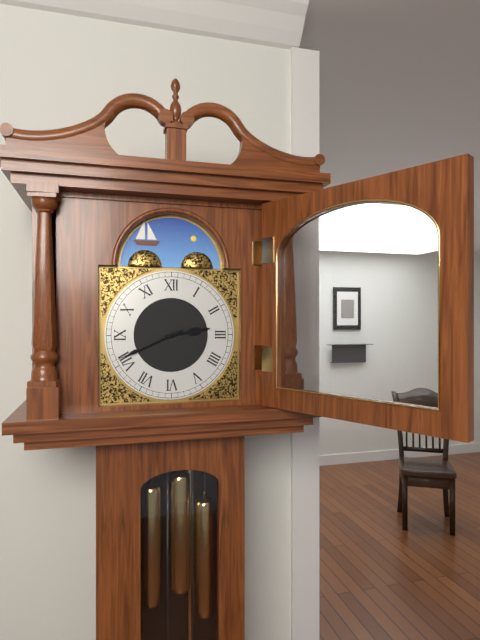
2:41
